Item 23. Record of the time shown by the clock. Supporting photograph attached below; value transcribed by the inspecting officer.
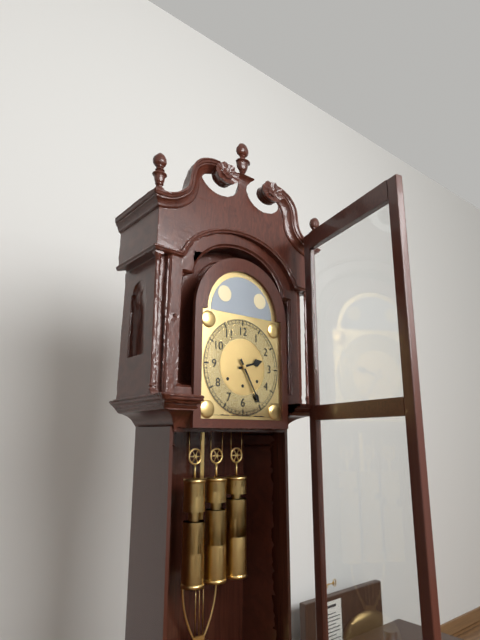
2:25
